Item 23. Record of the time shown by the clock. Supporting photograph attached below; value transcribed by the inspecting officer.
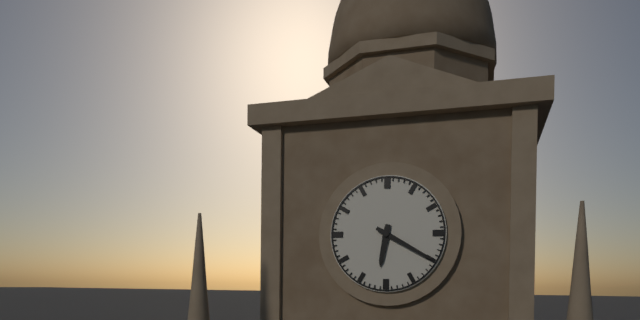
6:20
